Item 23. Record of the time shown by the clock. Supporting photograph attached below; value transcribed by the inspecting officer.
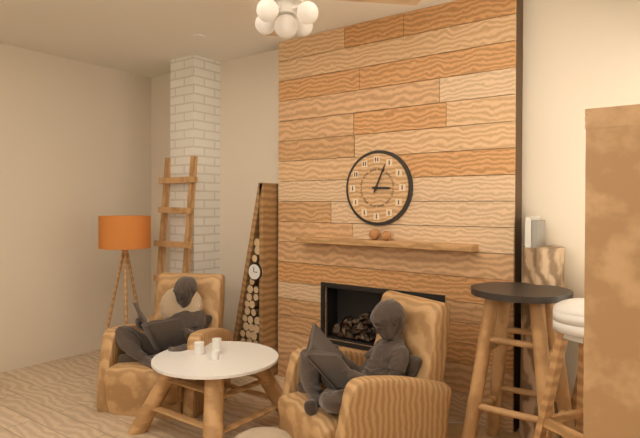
3:04
